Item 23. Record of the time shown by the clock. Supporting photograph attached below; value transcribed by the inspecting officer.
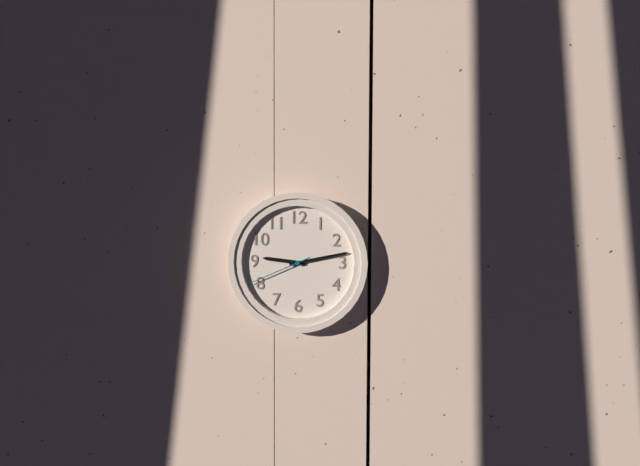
9:13:41
